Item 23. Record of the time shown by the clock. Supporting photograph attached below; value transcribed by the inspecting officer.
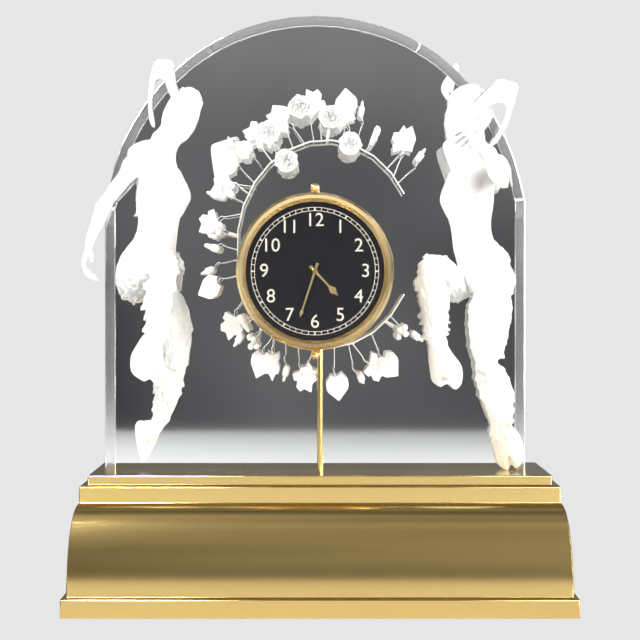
4:33
